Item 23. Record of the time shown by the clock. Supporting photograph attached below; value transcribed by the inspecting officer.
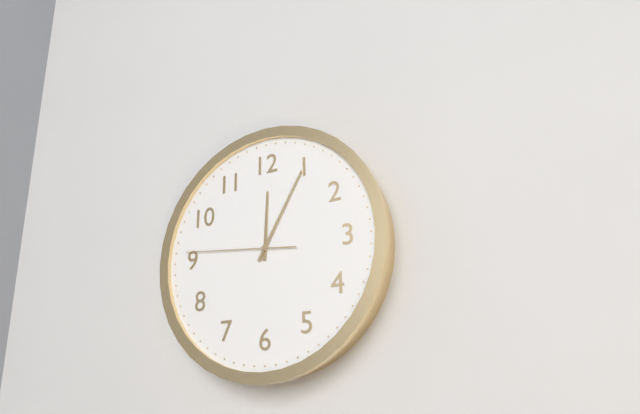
12:05:46
